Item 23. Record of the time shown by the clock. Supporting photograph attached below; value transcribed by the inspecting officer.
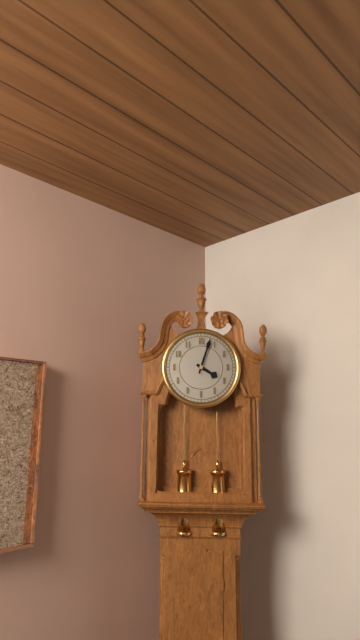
4:03
